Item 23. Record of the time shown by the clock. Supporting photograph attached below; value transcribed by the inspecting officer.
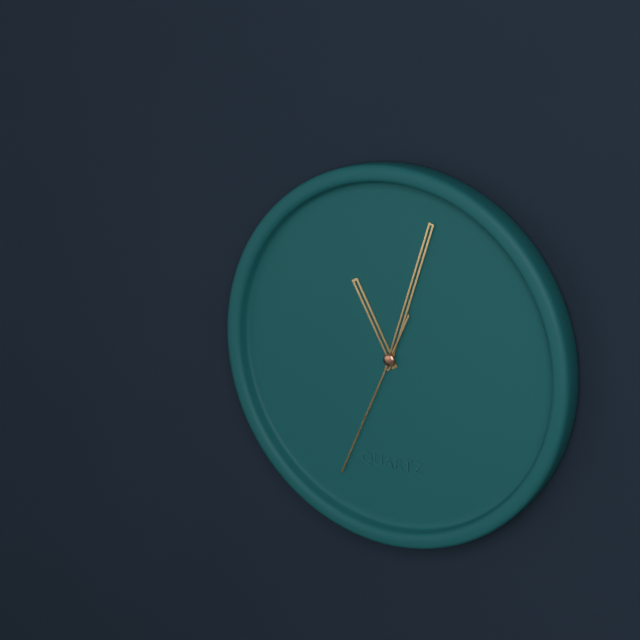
11:03:34
